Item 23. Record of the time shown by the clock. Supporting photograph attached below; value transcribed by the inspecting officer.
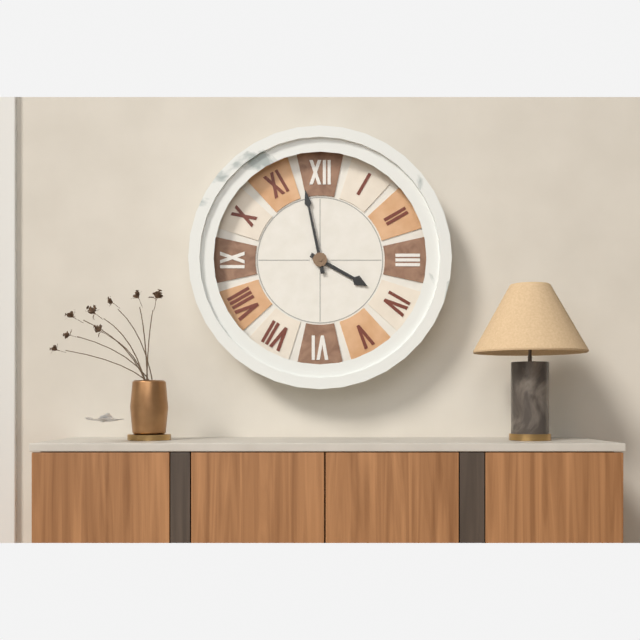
3:58
